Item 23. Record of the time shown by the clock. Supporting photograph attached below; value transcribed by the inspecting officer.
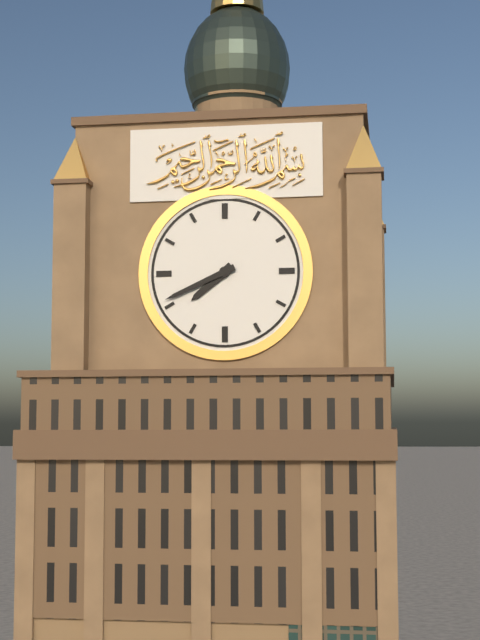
7:41
